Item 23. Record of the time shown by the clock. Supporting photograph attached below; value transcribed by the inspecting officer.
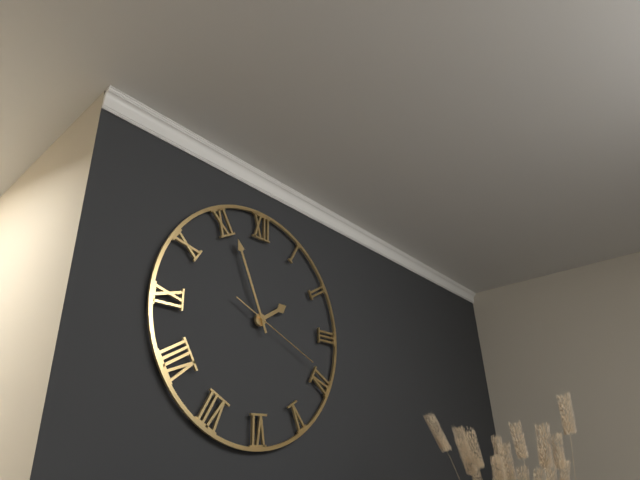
1:56:19
